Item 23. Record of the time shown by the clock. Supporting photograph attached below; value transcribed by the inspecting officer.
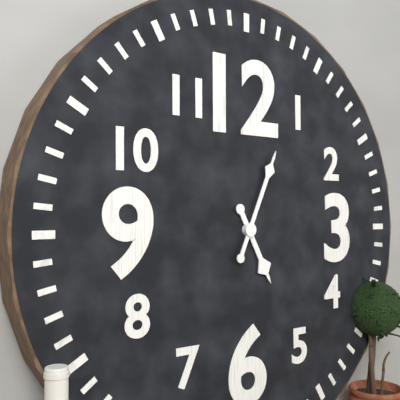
5:04
